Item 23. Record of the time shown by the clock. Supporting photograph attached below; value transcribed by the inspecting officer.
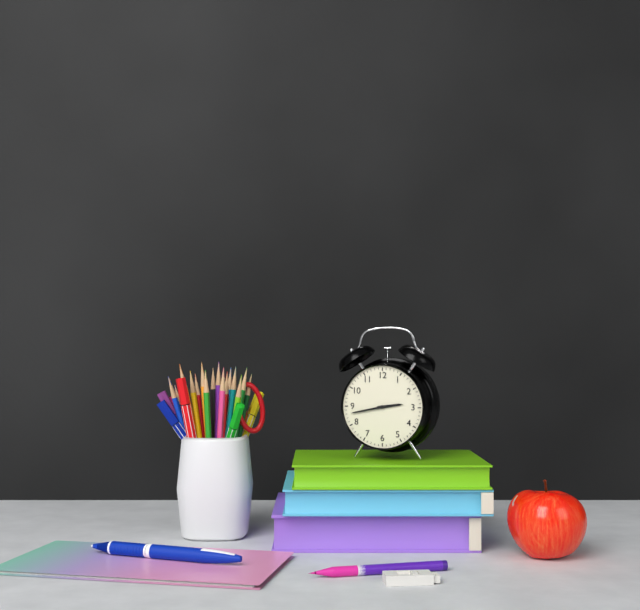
2:43
